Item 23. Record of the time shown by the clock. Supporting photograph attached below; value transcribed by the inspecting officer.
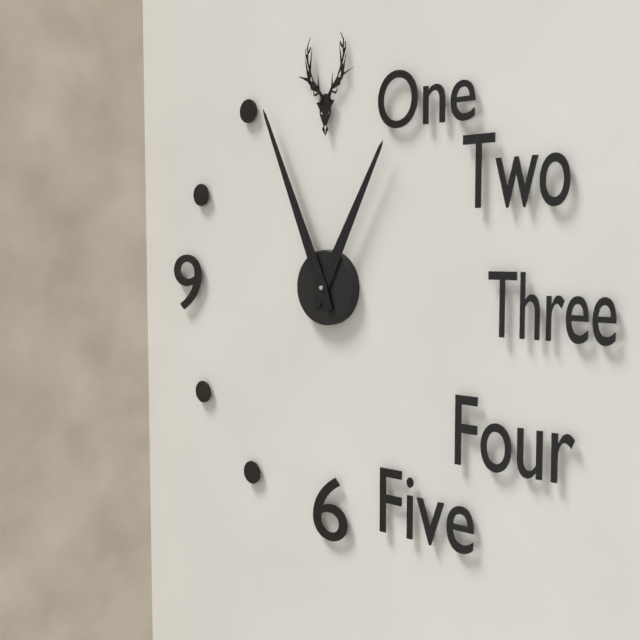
12:56
